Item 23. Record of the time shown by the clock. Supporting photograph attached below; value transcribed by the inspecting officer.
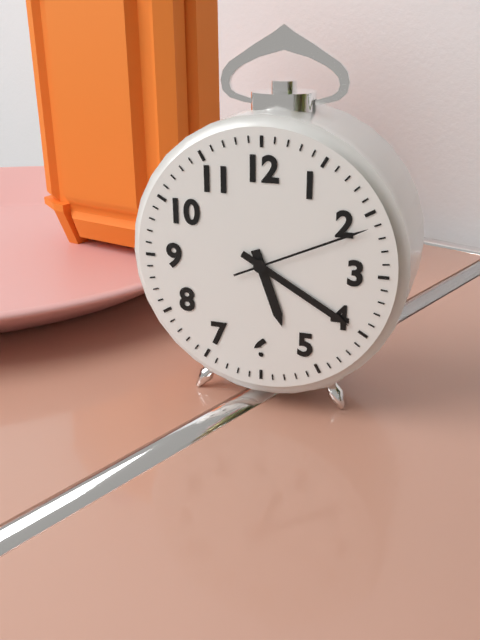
5:20:11
